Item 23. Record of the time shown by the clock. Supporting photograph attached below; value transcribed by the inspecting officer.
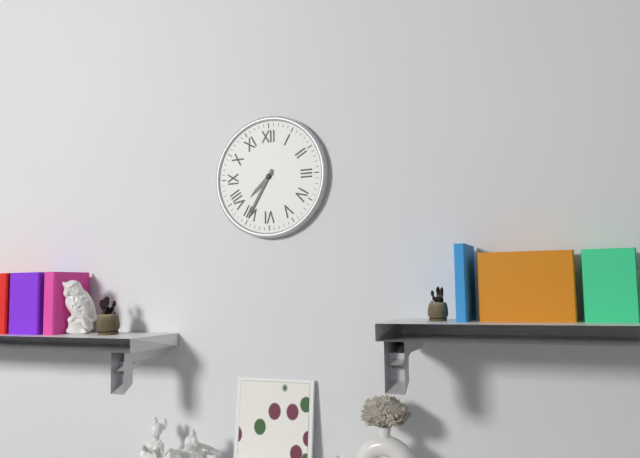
7:35
